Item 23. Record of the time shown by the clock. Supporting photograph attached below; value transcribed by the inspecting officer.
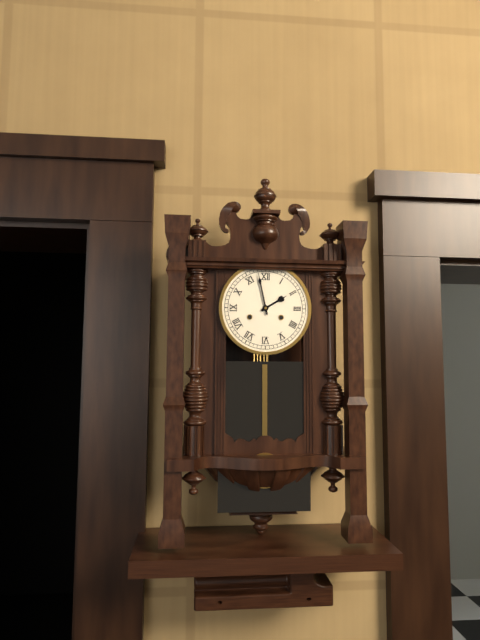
1:58
